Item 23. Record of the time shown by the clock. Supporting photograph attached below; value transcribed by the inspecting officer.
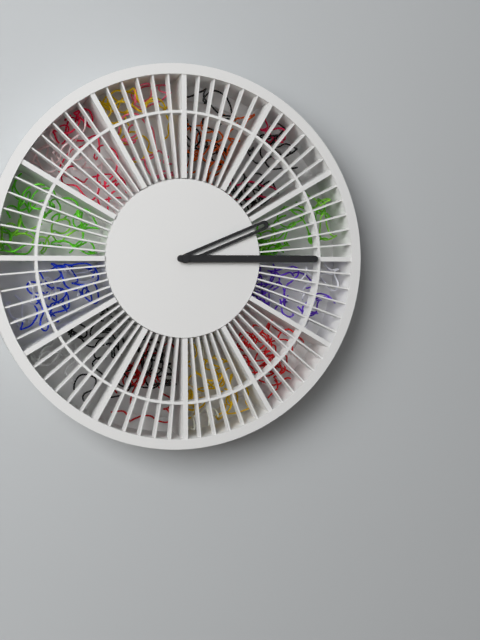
2:15
